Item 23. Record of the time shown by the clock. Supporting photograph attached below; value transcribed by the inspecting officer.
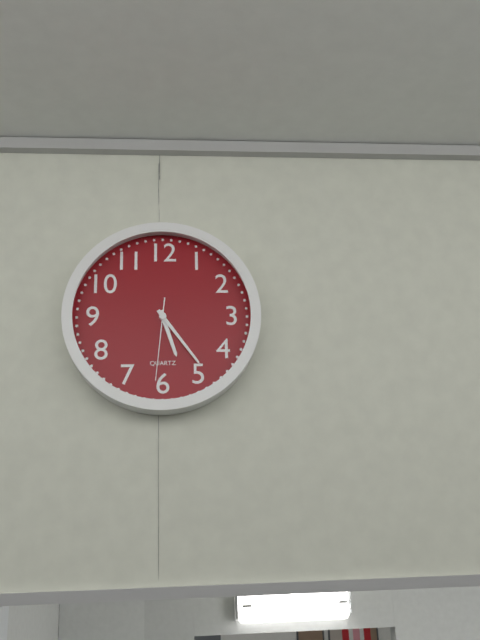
5:24:31
